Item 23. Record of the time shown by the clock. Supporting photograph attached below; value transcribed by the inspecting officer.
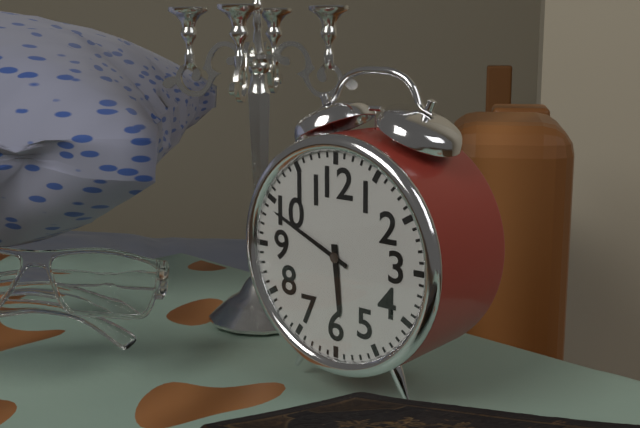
5:49
